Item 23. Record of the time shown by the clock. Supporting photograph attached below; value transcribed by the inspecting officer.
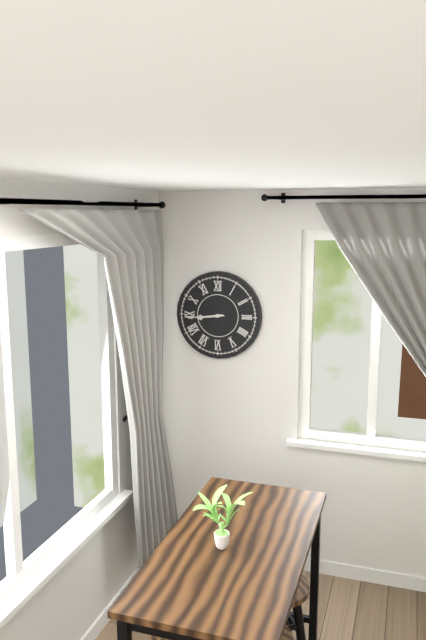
8:44
